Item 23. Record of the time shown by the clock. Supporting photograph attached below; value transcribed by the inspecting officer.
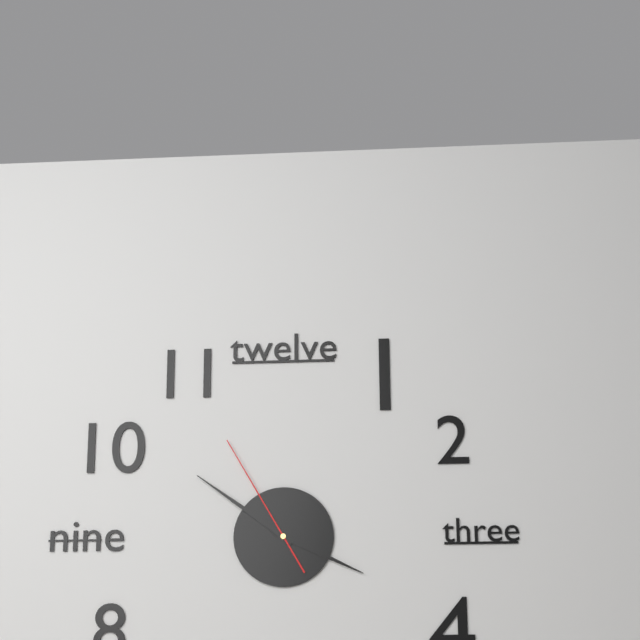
3:51:55
